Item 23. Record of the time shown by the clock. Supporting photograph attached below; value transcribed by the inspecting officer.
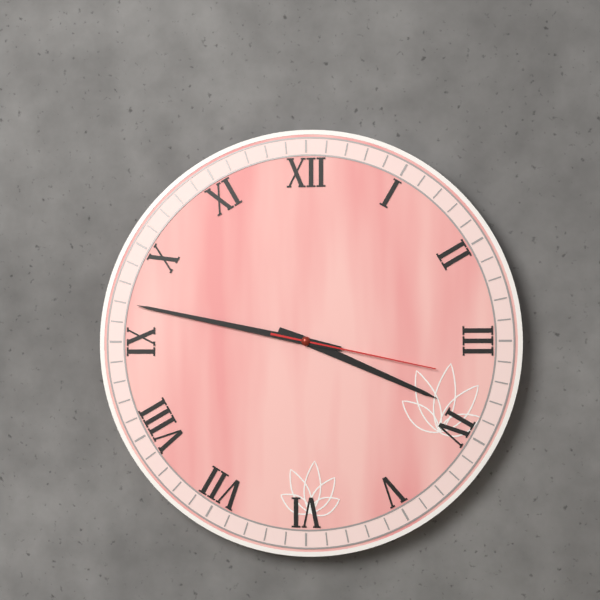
3:47:17
